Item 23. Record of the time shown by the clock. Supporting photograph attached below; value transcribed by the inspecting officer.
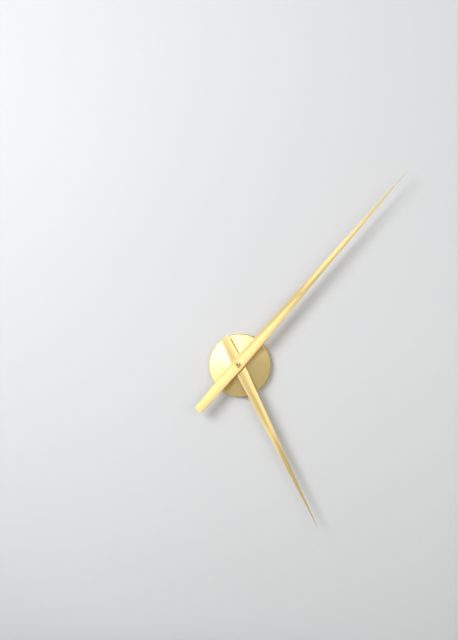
5:07
